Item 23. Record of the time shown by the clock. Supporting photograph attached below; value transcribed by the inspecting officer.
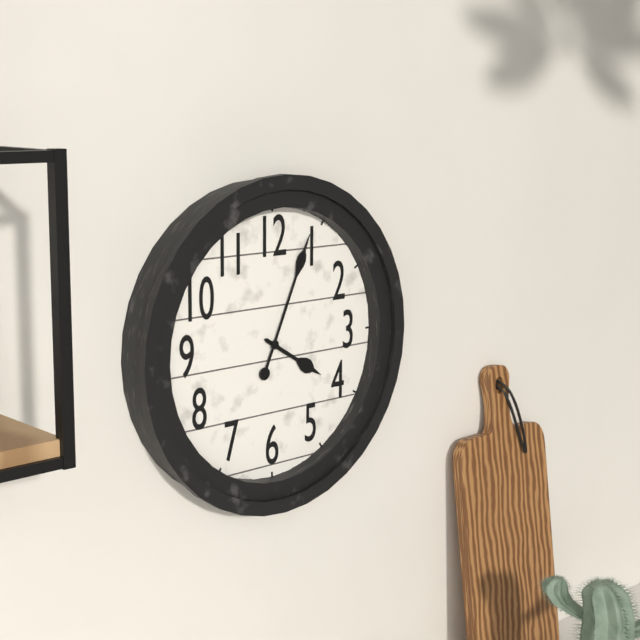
4:04
